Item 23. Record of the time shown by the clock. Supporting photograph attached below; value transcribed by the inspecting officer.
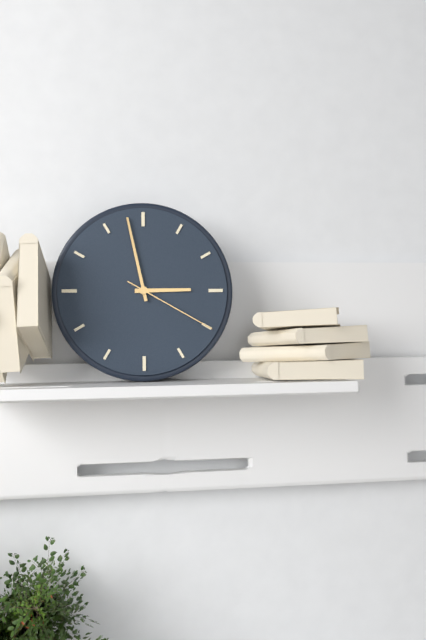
2:58:20
